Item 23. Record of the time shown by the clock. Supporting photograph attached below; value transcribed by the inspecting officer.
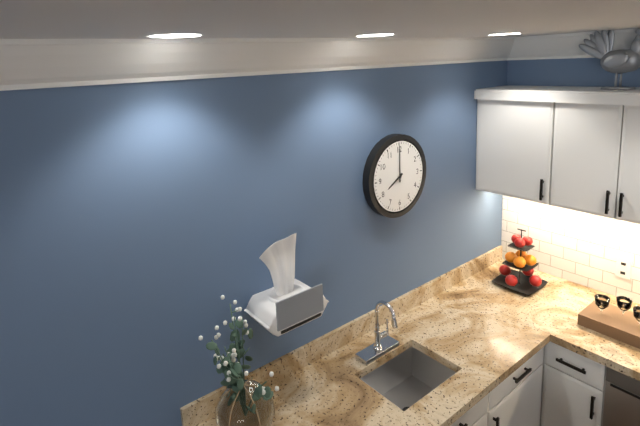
8:00
